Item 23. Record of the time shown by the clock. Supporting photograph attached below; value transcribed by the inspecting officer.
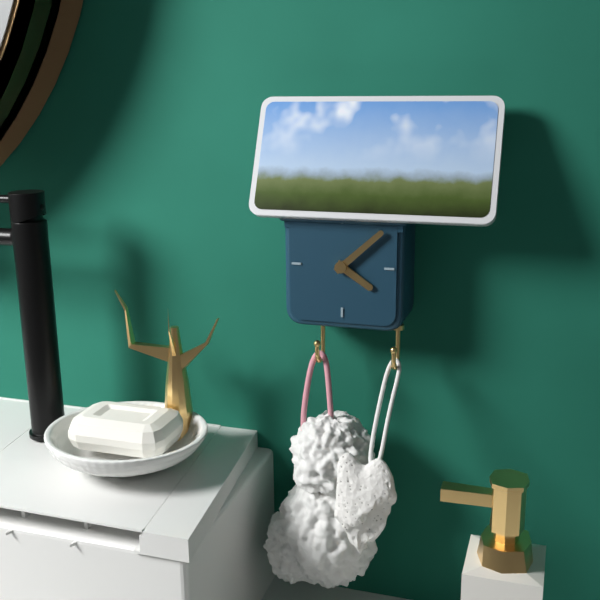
4:08
